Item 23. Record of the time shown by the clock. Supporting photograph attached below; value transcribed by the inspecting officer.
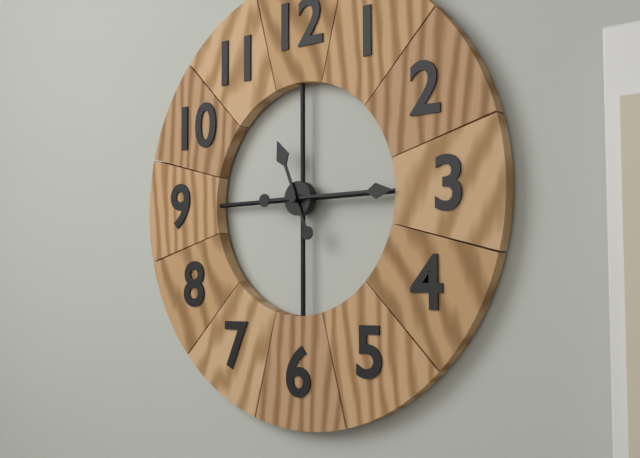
11:15
